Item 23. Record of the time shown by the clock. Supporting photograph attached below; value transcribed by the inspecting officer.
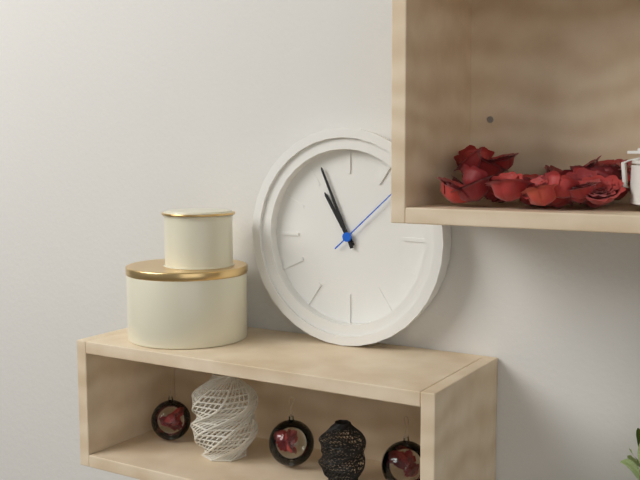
10:56:08
